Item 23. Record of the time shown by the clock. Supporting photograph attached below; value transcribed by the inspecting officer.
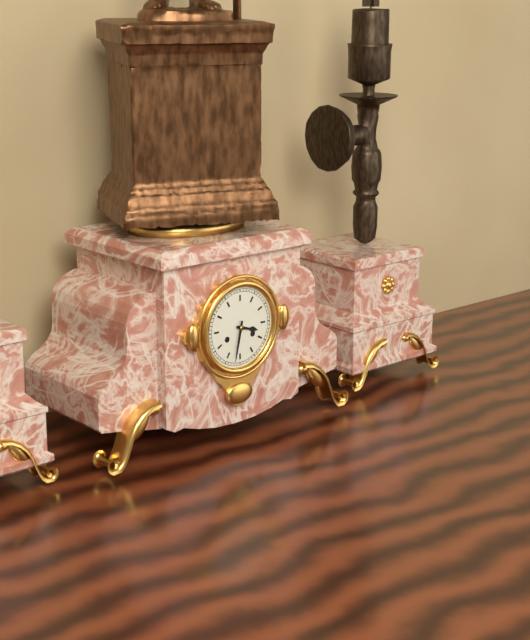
3:32
